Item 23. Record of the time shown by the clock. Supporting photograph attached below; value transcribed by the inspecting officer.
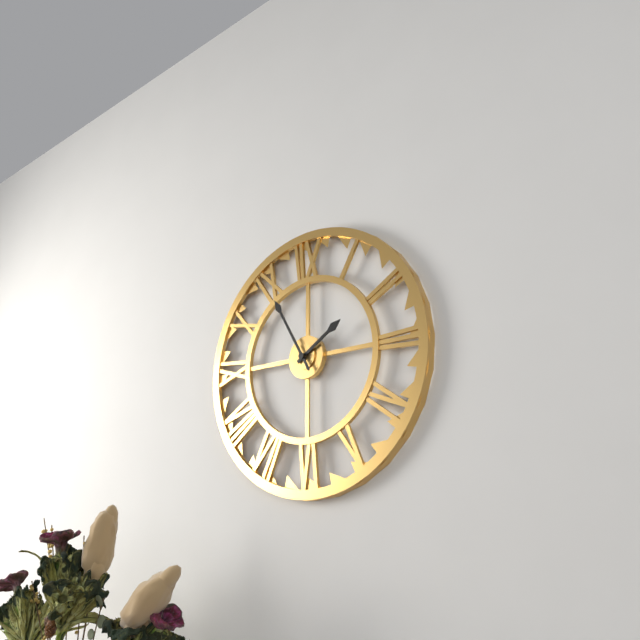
1:55
